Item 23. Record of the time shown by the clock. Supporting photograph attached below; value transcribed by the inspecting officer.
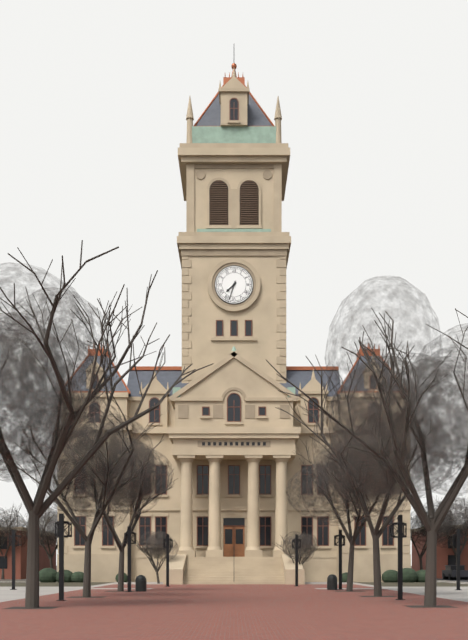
7:33
